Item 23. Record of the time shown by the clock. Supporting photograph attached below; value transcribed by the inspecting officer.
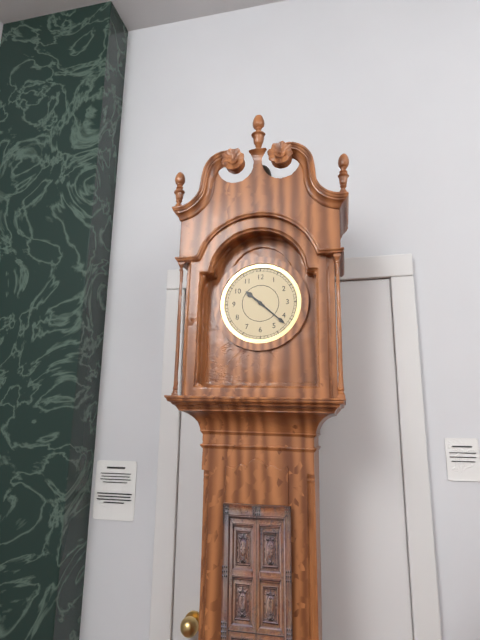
10:22
